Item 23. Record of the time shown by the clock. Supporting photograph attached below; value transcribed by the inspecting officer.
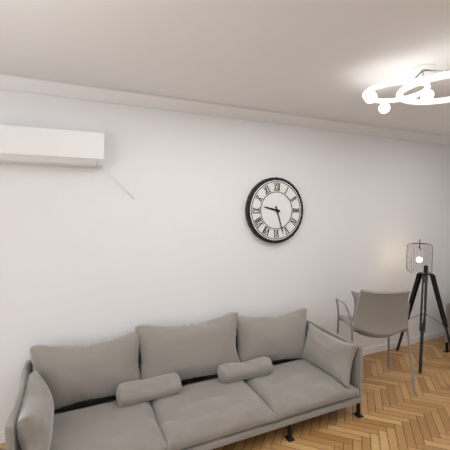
9:27
